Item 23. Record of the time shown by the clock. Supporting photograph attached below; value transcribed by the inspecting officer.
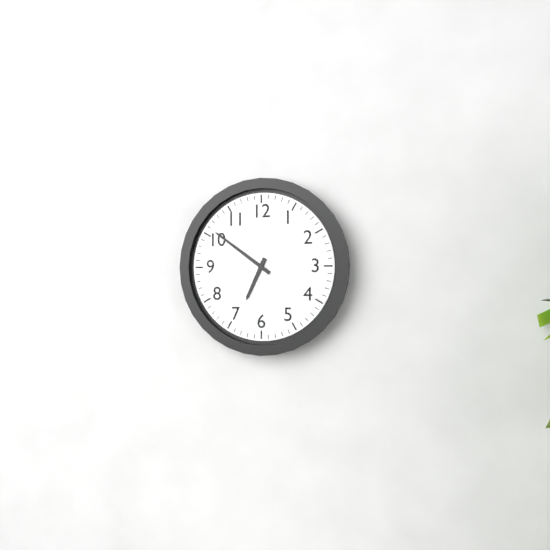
6:51
